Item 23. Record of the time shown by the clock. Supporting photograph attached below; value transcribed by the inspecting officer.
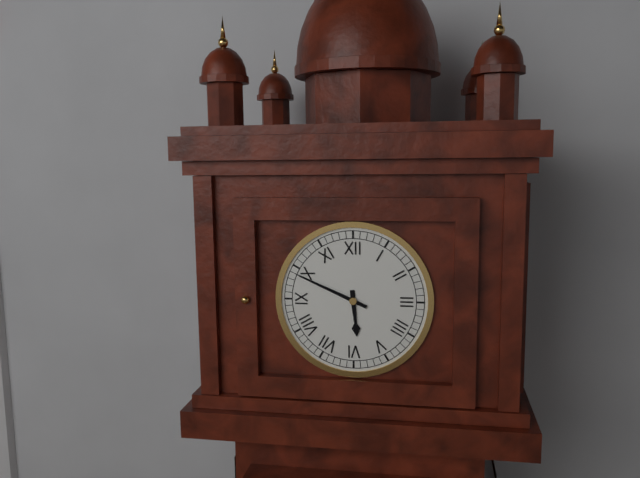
5:49
